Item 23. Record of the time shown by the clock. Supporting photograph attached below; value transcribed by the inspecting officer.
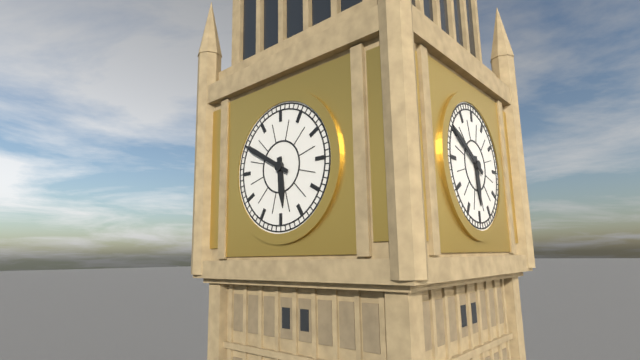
5:50
